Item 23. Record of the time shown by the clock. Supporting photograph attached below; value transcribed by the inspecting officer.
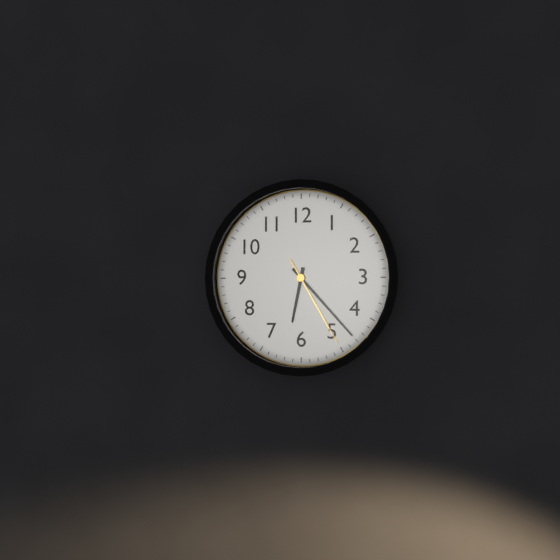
6:23:25
